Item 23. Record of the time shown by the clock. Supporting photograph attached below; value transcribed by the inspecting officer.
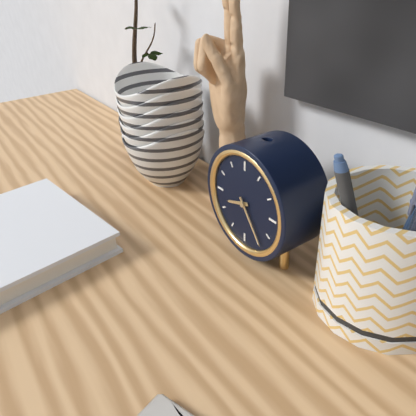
8:24
